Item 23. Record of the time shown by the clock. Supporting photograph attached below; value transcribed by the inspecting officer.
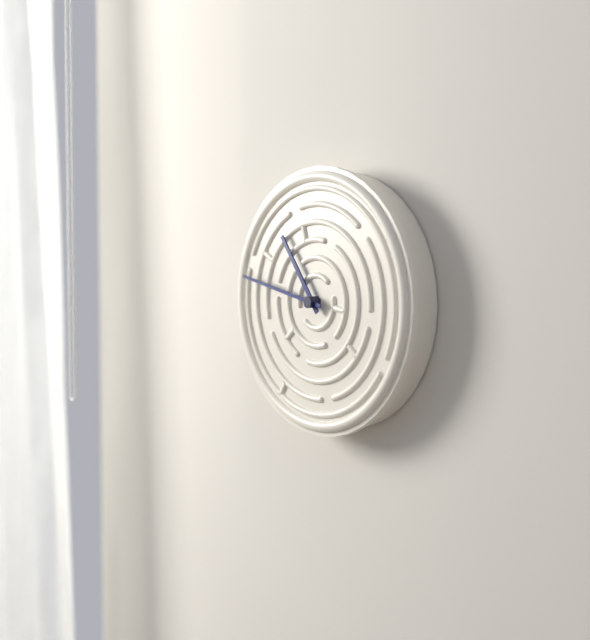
10:47
